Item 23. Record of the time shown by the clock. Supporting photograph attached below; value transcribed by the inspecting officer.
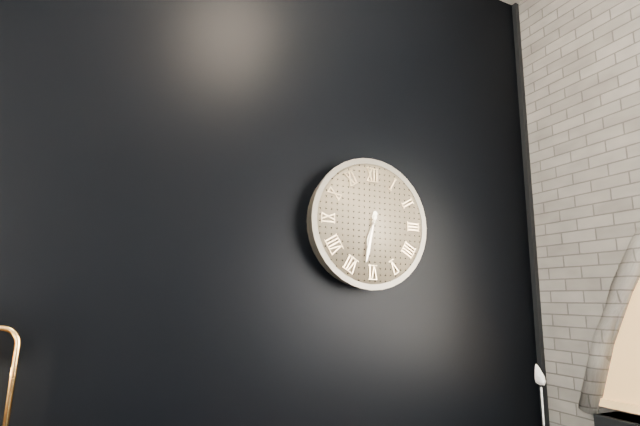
6:32
